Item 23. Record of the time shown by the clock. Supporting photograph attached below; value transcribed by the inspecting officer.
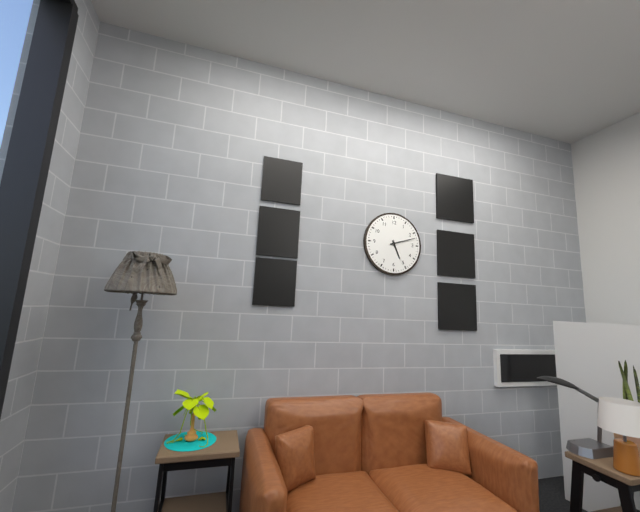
5:12
